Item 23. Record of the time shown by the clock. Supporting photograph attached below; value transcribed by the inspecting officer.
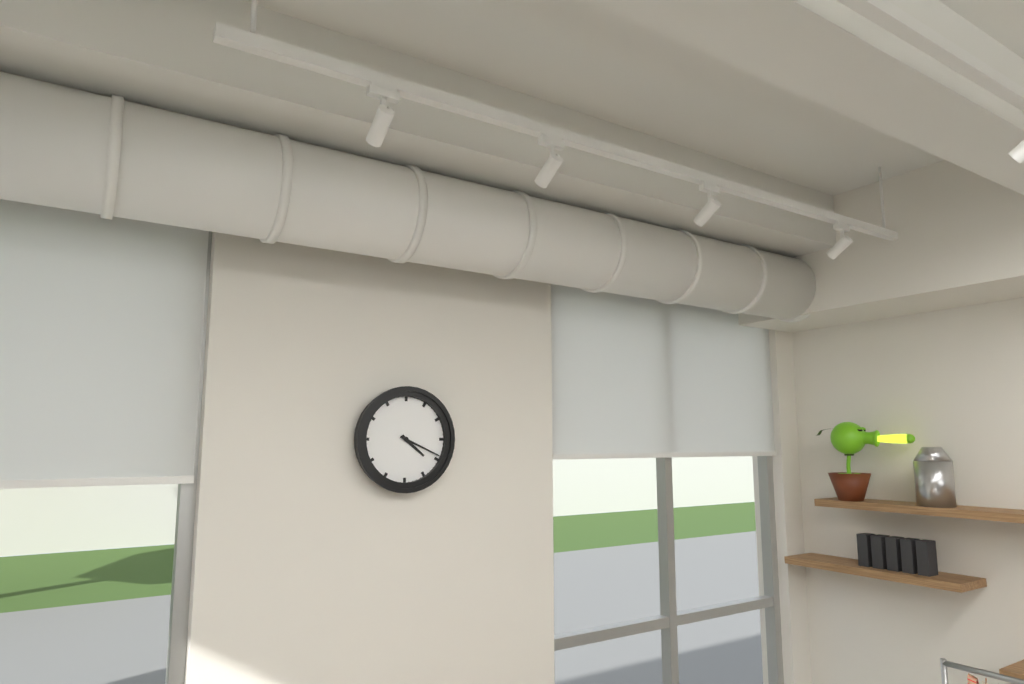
4:19
